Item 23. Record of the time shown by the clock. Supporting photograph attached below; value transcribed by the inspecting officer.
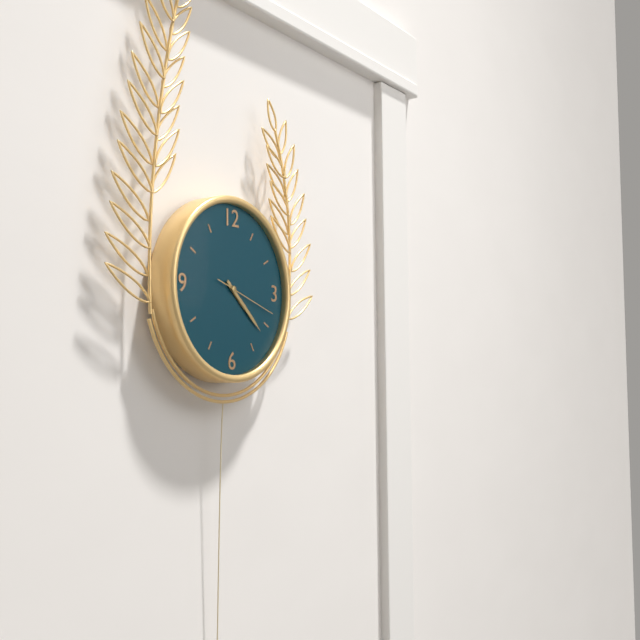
4:22:18
